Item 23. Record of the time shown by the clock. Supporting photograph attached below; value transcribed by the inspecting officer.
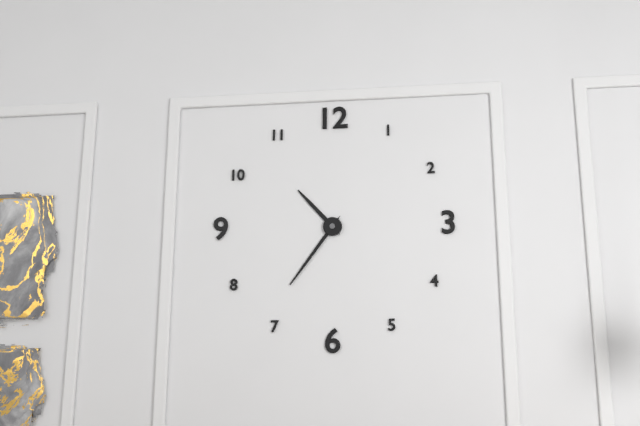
10:36
